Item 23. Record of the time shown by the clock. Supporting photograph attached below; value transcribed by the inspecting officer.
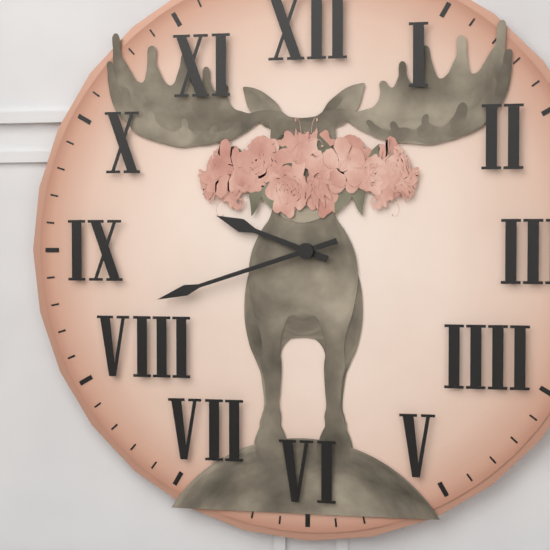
9:42
